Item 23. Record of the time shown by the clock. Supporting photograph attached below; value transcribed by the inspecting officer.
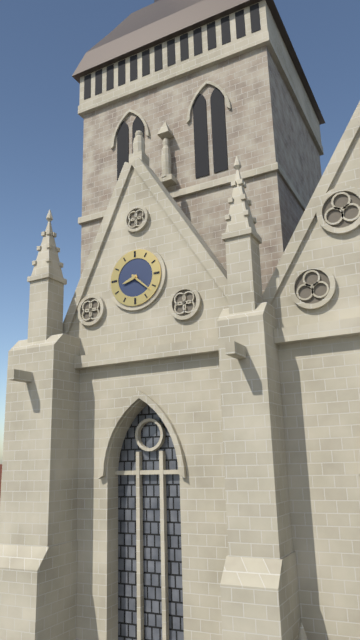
8:22
